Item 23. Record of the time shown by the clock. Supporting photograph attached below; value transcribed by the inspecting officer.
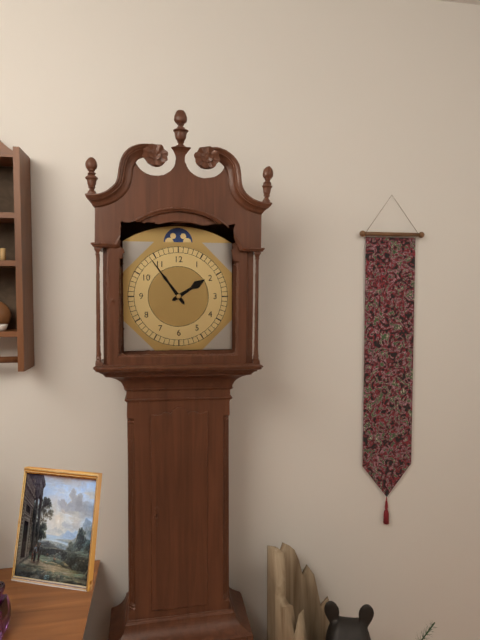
1:54
